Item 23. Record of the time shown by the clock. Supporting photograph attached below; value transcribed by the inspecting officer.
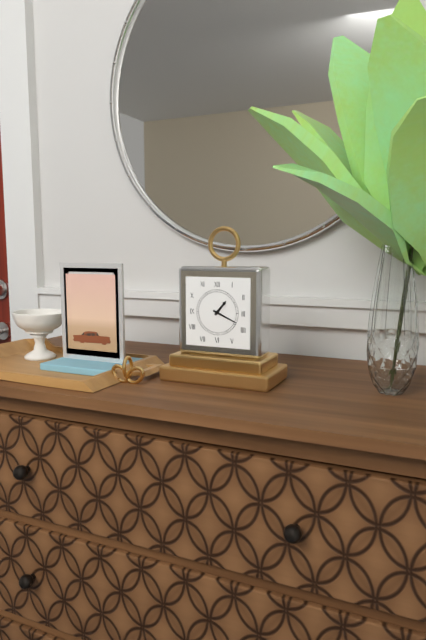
1:19
